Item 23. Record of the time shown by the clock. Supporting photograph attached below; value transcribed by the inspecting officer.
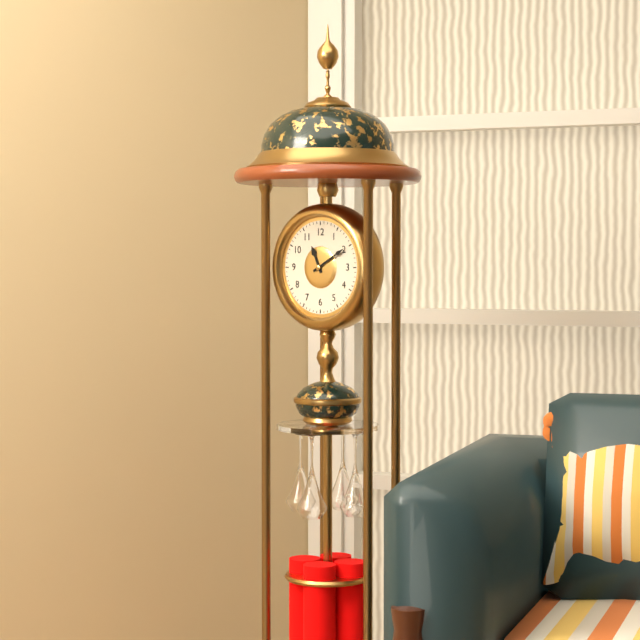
11:10
